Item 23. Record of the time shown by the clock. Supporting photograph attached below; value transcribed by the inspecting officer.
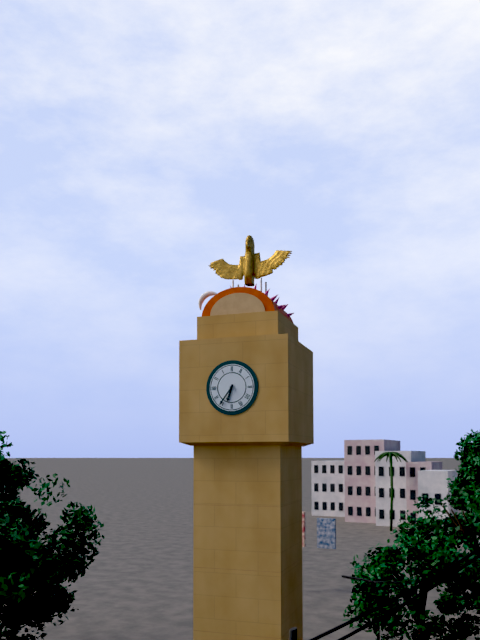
6:36
